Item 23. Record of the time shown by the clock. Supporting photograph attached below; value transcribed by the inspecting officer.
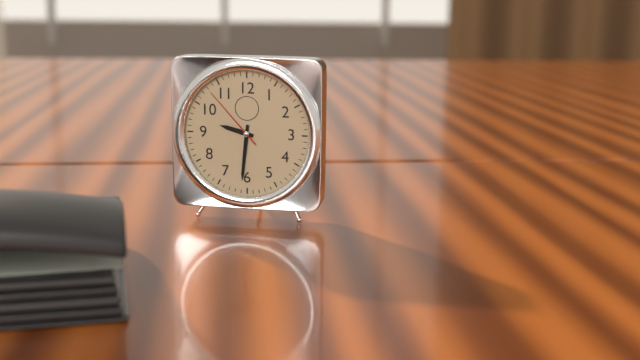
9:31:53
